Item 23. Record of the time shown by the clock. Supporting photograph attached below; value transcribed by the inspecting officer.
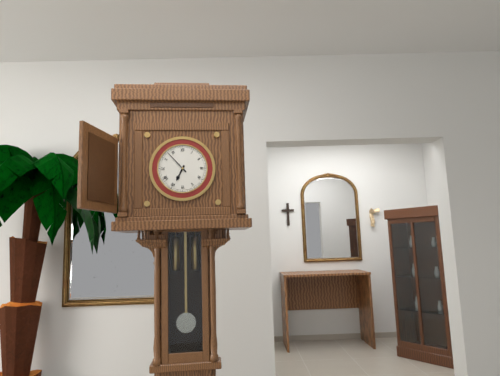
6:53
